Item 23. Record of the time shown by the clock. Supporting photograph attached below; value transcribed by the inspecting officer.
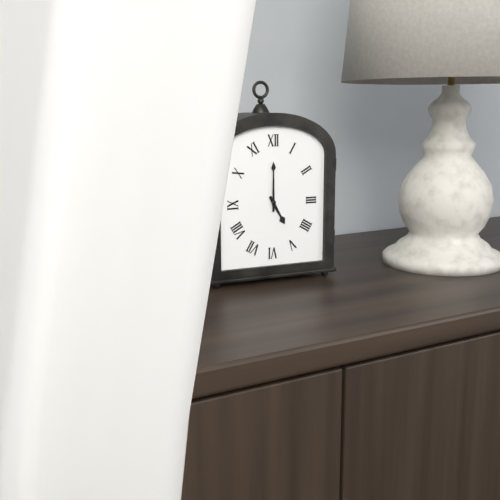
5:00
